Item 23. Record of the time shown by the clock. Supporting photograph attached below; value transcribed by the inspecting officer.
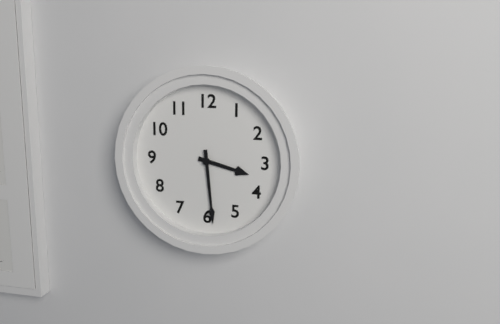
3:29
